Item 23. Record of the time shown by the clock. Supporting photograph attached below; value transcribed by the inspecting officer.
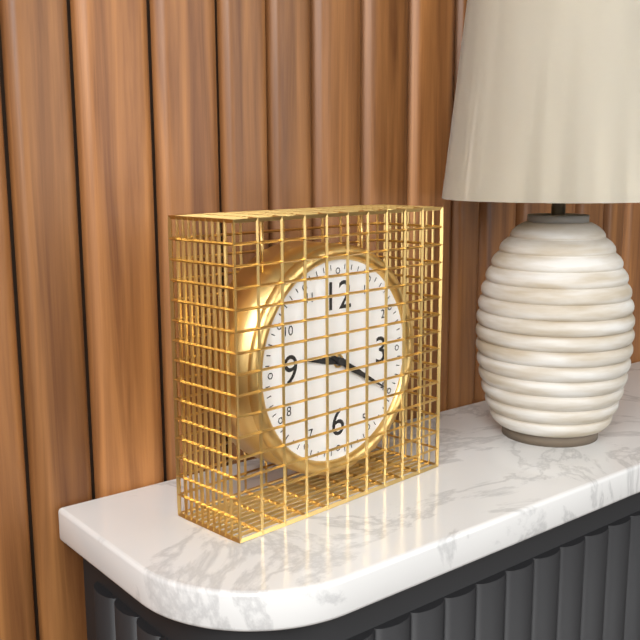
9:20
